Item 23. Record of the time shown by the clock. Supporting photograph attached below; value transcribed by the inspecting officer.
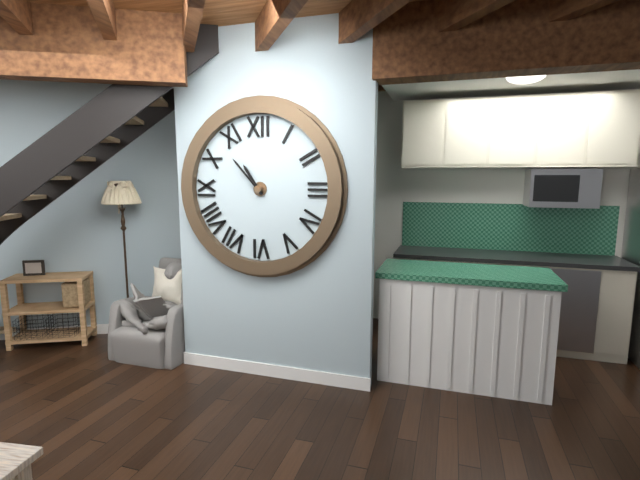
10:53
